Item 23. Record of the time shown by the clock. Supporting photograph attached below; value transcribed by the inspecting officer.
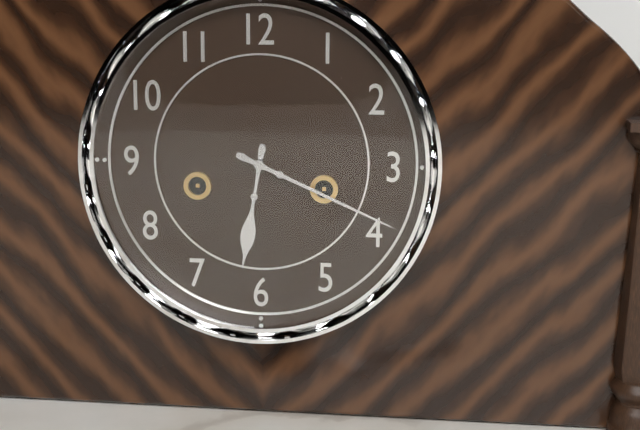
6:19
